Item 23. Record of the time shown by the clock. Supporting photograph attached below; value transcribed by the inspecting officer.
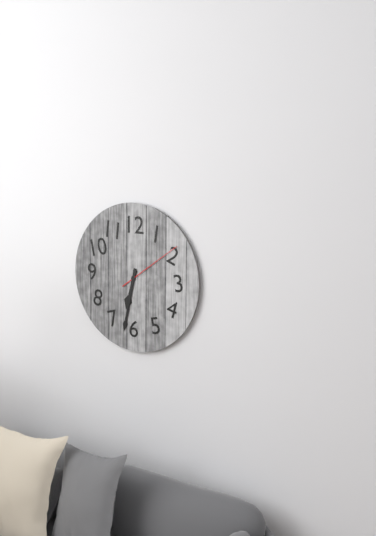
6:32:09
